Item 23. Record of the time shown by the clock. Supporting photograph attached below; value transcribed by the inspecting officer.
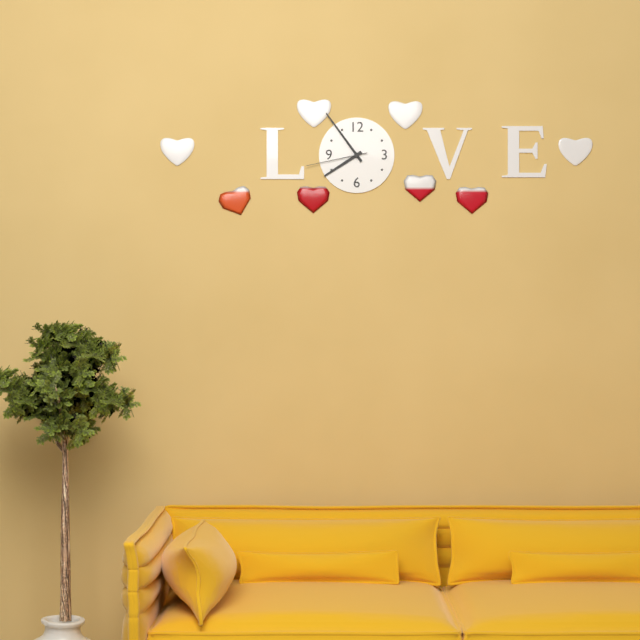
7:54:43
